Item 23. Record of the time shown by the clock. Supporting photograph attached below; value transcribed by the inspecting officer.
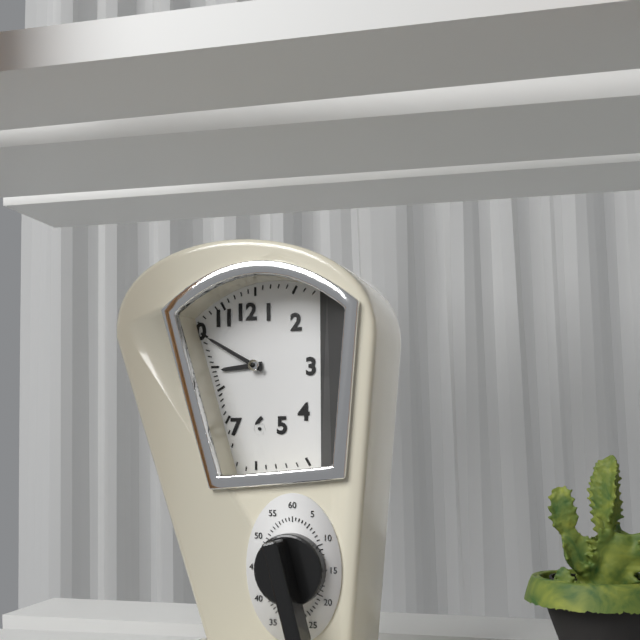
8:50
